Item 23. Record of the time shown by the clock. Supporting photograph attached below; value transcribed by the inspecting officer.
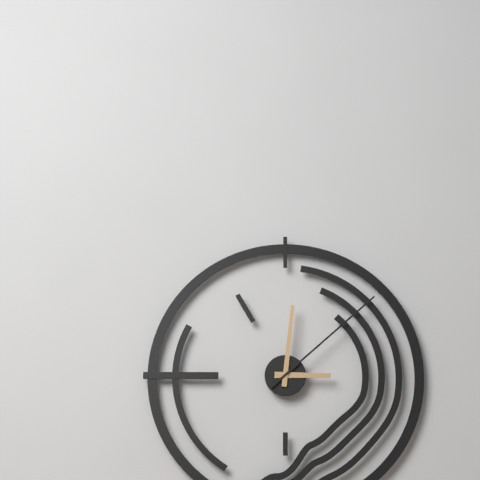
3:01:08
